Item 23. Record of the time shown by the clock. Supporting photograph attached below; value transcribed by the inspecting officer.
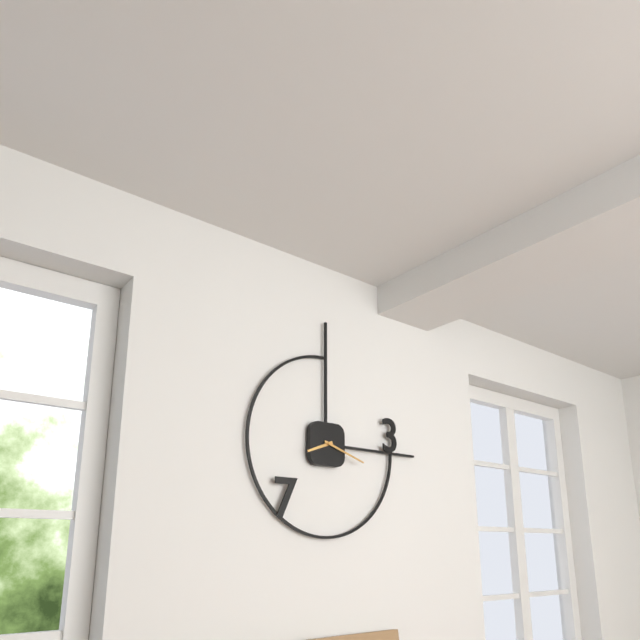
8:18
